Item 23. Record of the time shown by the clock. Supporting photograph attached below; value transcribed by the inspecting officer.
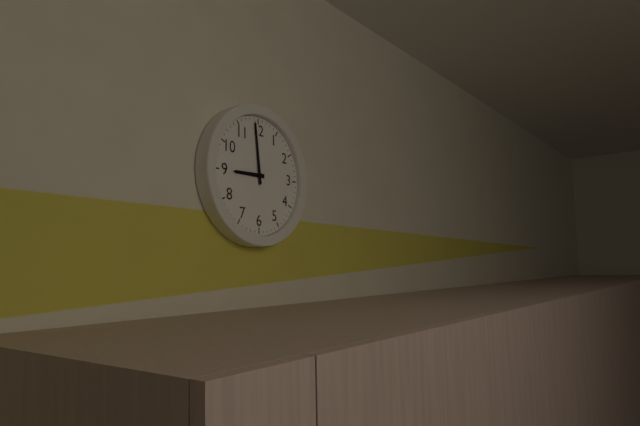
8:59
